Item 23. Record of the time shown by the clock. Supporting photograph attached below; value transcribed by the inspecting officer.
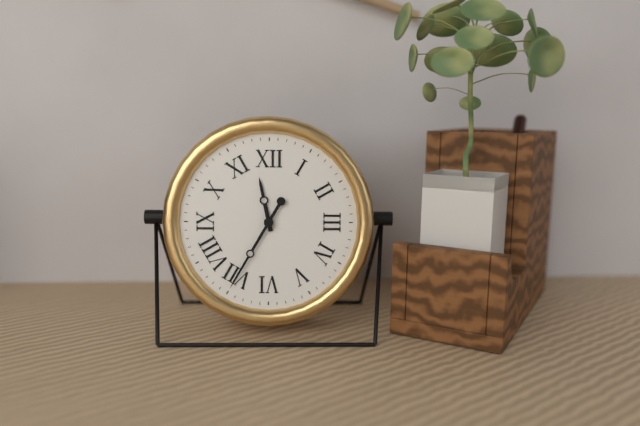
11:35
